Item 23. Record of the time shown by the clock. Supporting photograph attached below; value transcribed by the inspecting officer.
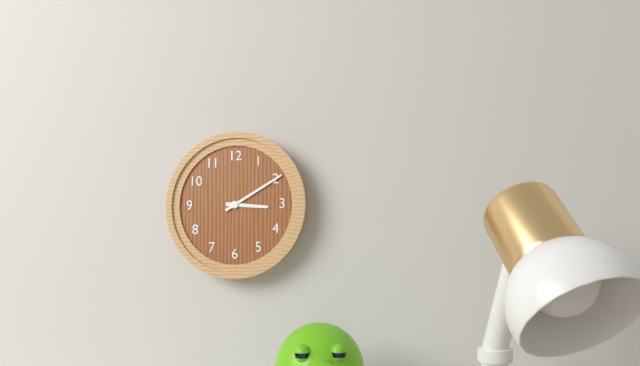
3:10
